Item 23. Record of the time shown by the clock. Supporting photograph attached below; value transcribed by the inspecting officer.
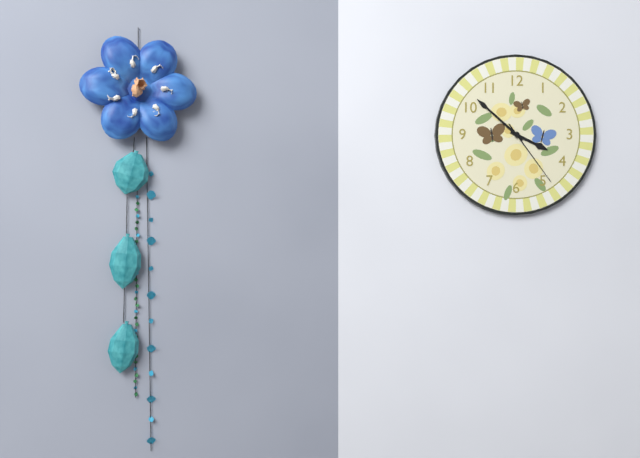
3:52:24
